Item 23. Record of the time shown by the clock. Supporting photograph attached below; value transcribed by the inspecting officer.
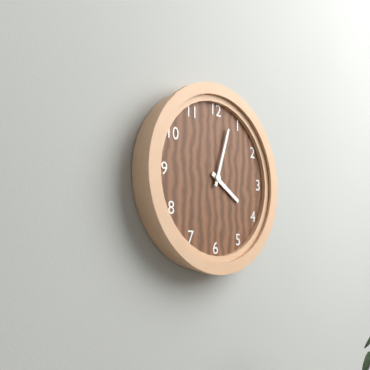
4:03
